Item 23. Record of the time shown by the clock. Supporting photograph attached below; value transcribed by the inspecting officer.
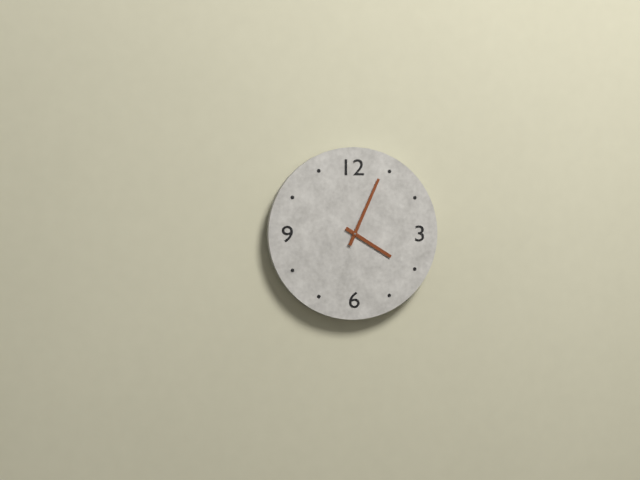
4:04
